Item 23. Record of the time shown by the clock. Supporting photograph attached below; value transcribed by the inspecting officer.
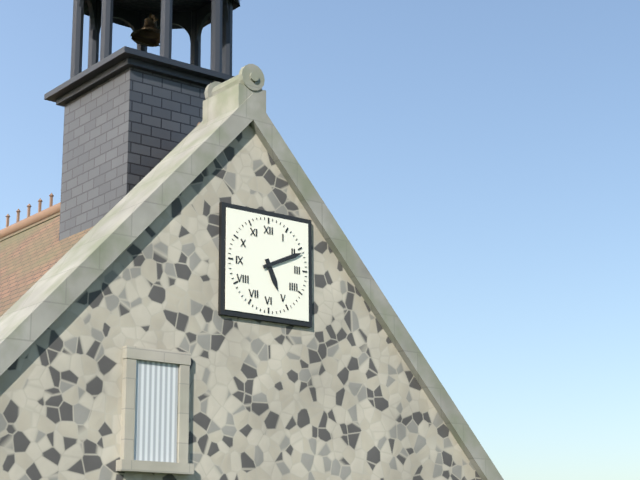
5:11
